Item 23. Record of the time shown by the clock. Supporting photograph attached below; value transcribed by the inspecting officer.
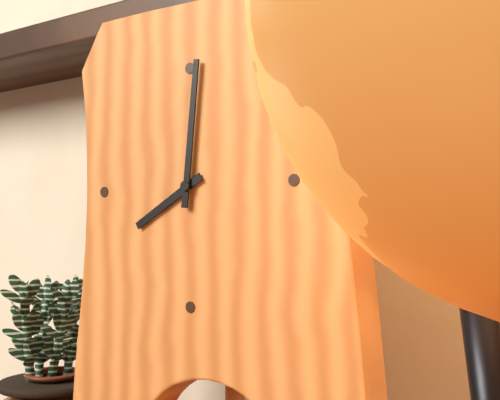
8:01
